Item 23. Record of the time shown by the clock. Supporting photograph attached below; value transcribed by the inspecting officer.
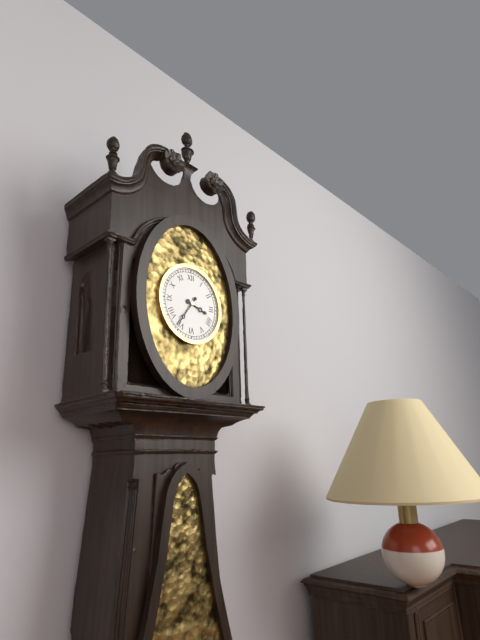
3:36
